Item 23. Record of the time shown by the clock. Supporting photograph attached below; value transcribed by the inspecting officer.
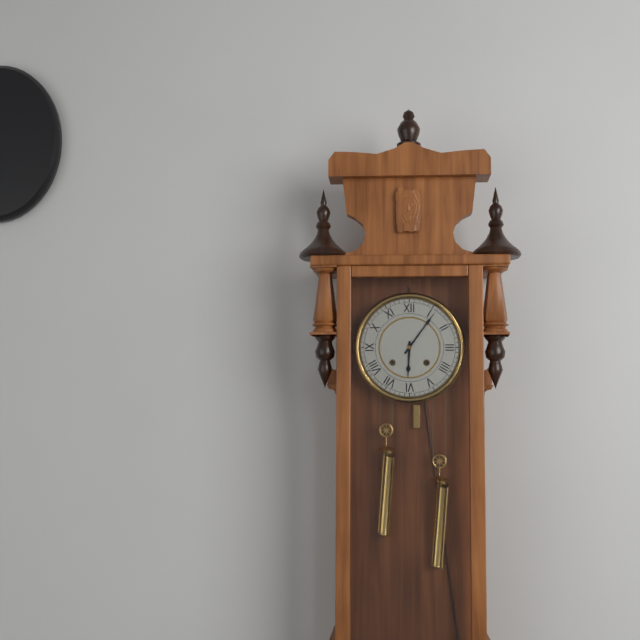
6:06
